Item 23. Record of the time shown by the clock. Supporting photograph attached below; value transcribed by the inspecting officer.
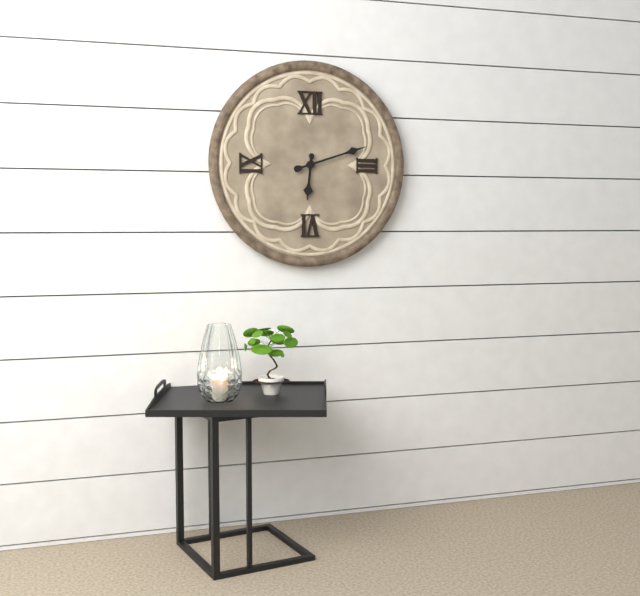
6:12
